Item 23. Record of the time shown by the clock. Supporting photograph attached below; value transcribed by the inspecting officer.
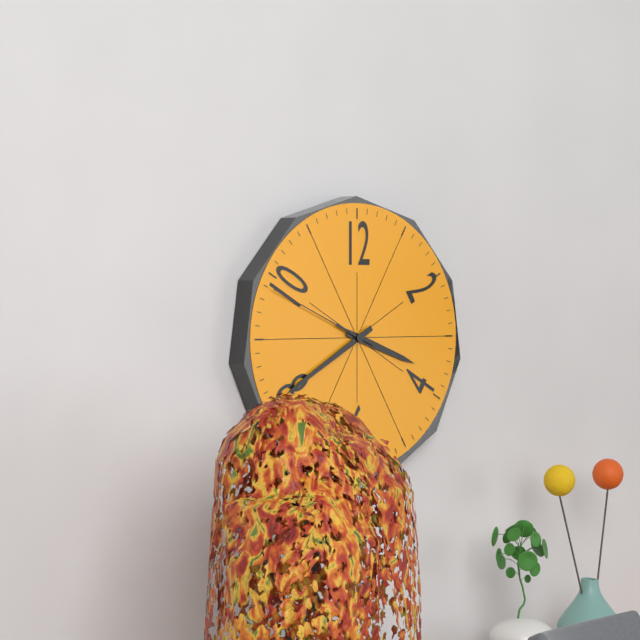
3:40:49
